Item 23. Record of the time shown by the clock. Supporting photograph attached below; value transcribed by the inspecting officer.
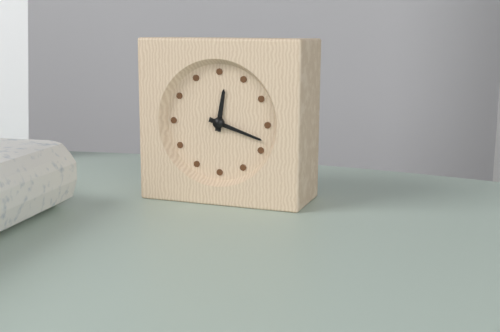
12:18
